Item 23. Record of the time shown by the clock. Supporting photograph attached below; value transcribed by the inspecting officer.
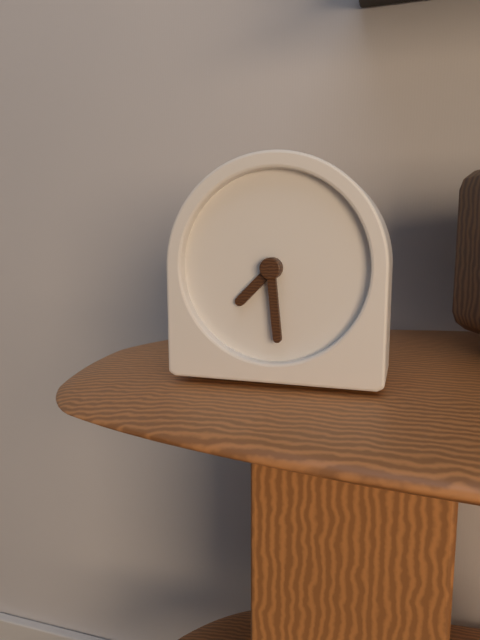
7:29
